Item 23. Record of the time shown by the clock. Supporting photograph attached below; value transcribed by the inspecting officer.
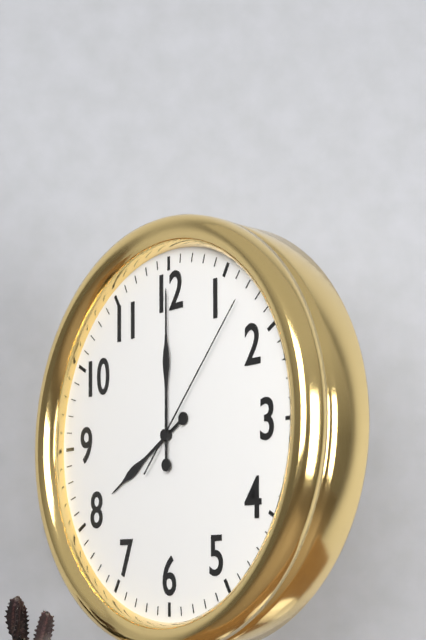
8:00:07
